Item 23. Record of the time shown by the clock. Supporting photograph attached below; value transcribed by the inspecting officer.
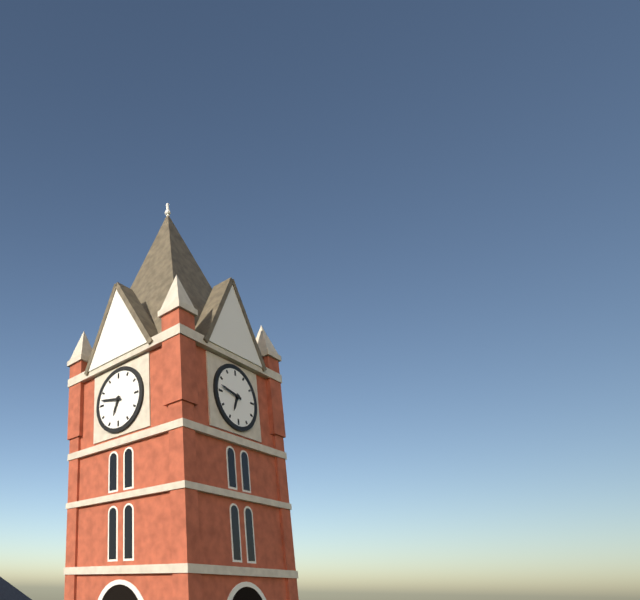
6:47
